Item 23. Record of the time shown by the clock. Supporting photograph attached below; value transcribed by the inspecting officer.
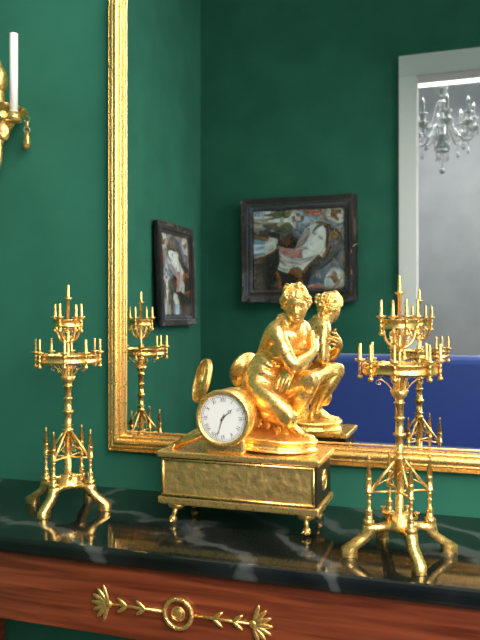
1:33
